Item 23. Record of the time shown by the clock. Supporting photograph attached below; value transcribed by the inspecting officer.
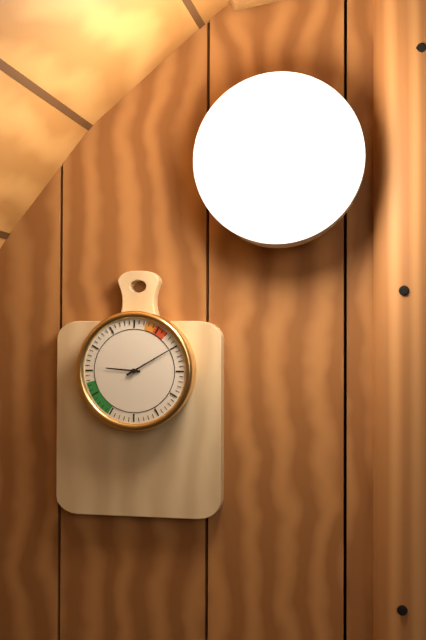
9:10
